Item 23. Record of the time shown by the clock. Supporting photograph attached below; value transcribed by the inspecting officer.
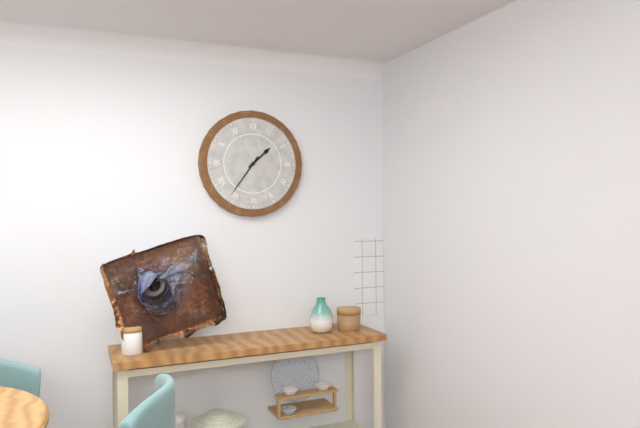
1:36
